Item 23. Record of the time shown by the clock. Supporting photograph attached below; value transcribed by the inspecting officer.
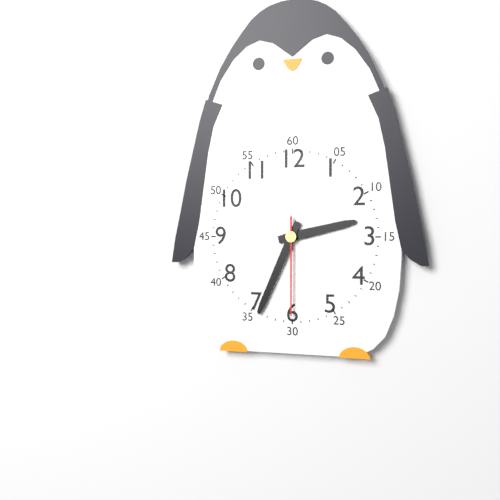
2:34:30
